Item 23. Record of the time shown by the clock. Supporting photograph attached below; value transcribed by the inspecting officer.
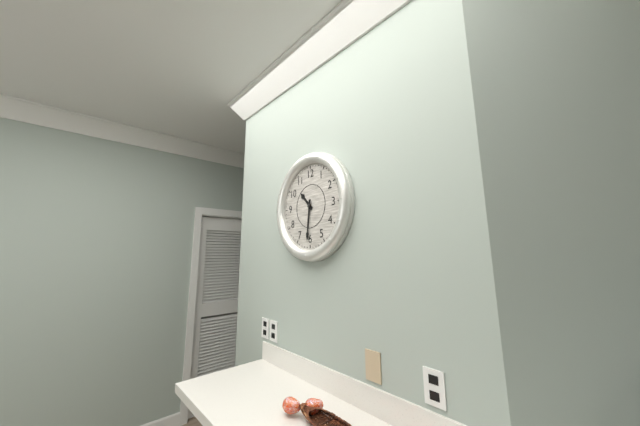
10:31
